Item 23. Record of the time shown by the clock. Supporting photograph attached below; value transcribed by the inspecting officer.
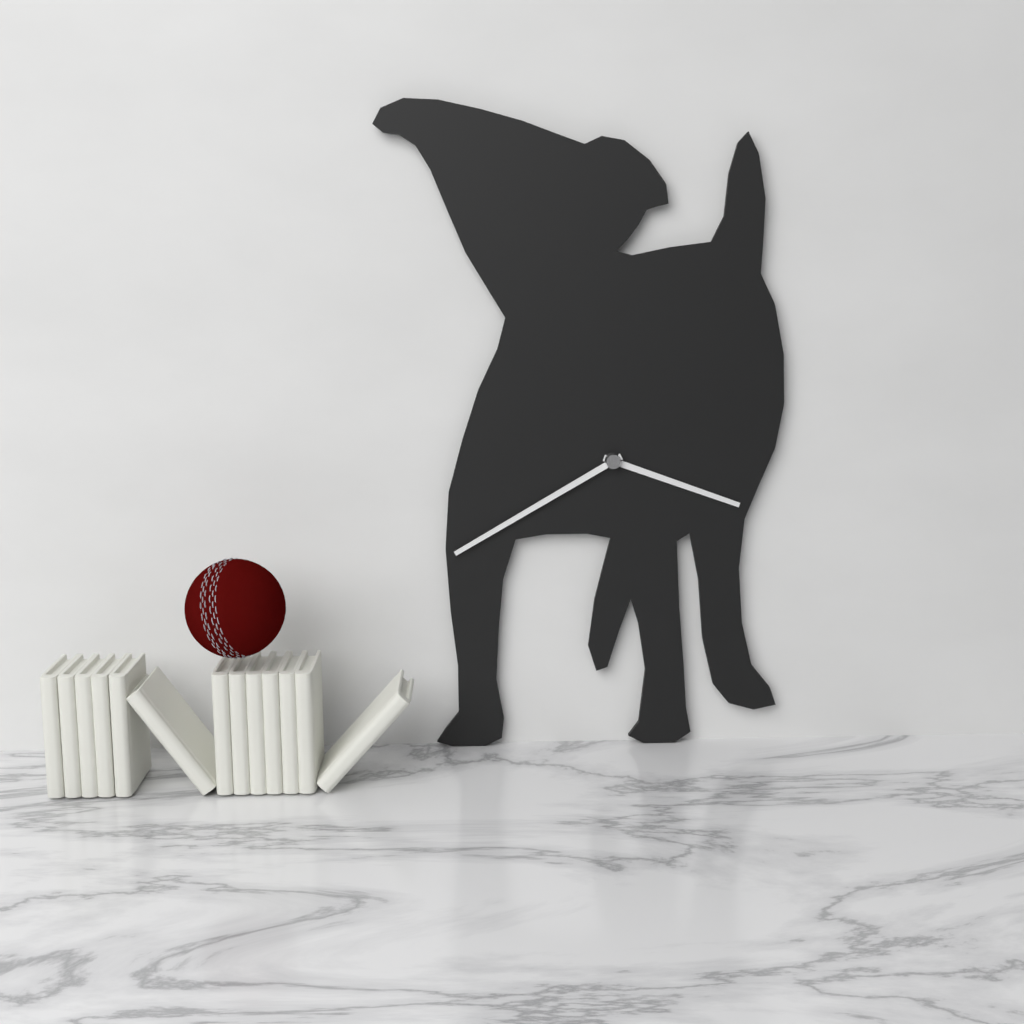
3:40
